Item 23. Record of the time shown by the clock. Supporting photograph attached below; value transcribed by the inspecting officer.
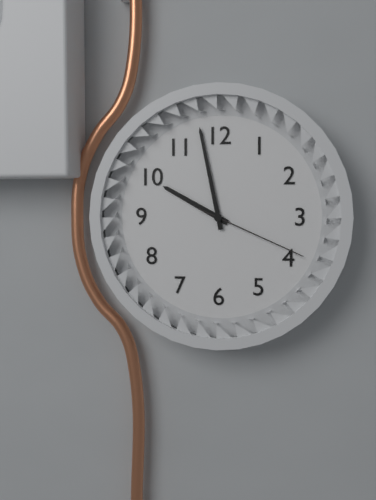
9:58:19
